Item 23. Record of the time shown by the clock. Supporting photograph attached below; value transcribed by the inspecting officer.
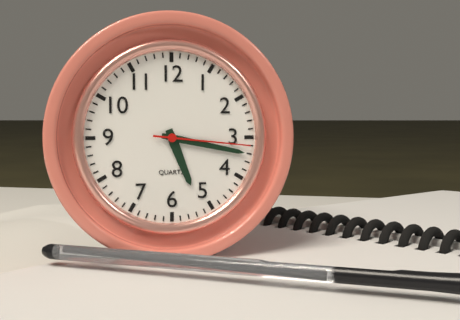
5:17:16
